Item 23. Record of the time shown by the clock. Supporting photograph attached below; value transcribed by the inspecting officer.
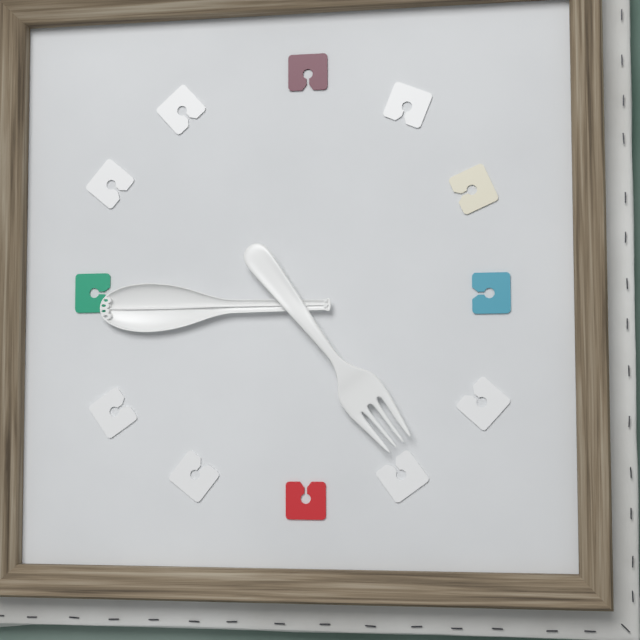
4:45
